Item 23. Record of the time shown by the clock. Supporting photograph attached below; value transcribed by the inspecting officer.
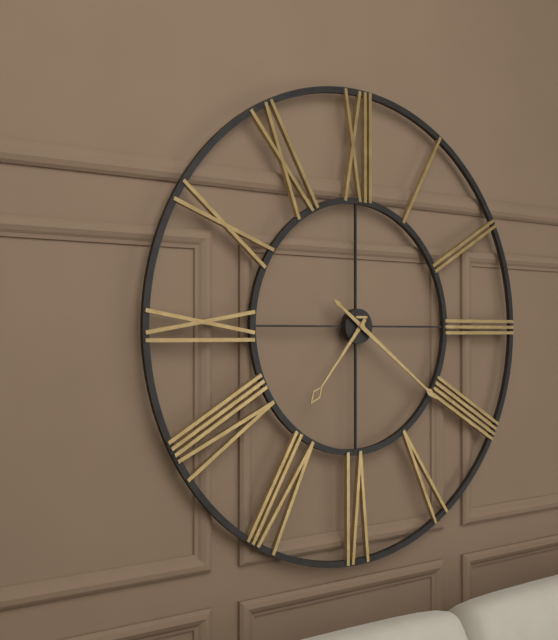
7:21
